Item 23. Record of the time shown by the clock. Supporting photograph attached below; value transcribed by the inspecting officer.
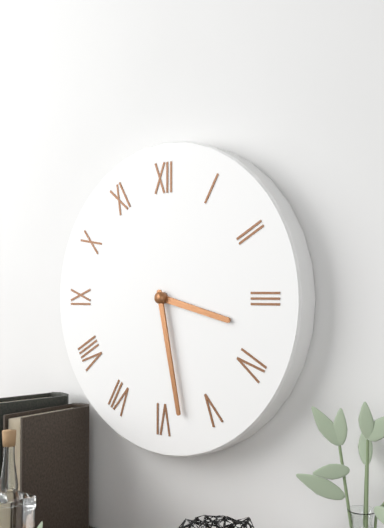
3:28
